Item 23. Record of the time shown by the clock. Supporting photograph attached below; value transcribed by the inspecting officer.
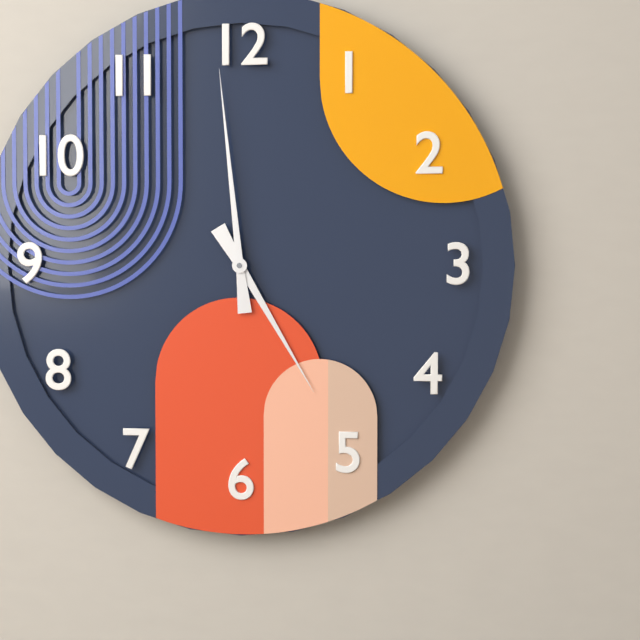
4:59
